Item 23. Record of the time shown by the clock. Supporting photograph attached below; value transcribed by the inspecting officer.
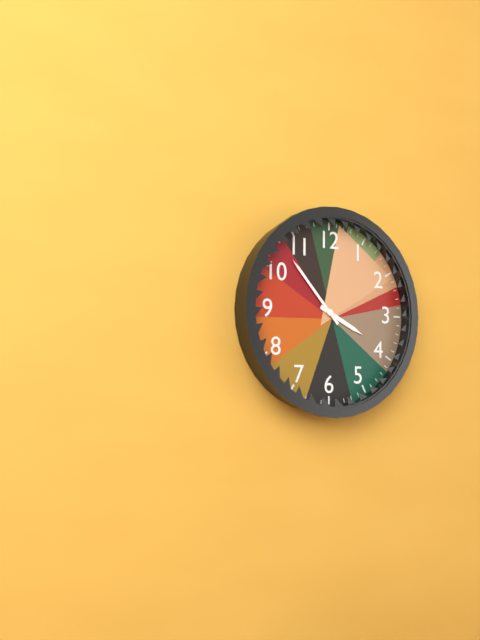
3:53
